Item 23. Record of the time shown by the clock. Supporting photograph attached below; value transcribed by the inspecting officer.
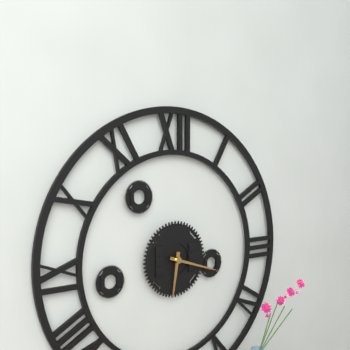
6:18
